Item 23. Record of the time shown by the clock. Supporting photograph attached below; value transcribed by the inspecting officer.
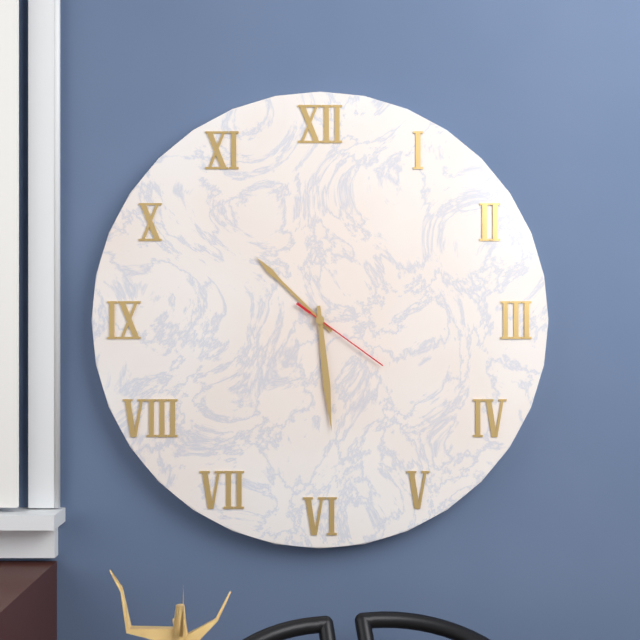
10:29:21
